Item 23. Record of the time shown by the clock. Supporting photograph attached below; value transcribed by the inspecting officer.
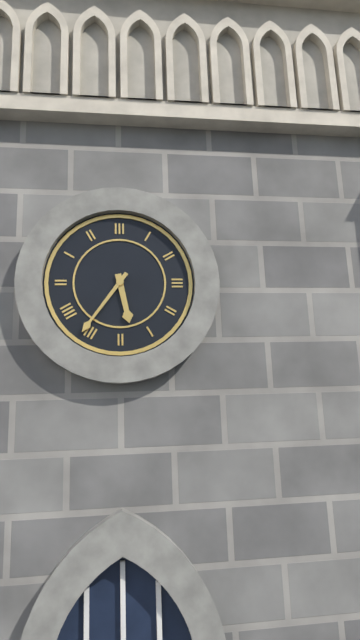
5:36
